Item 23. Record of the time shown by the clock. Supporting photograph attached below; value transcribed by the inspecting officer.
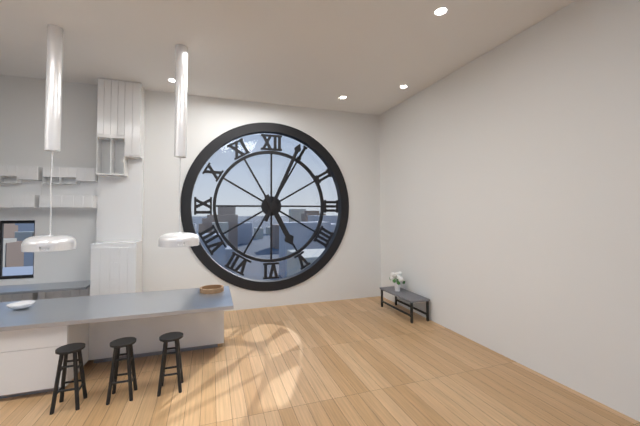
5:04
